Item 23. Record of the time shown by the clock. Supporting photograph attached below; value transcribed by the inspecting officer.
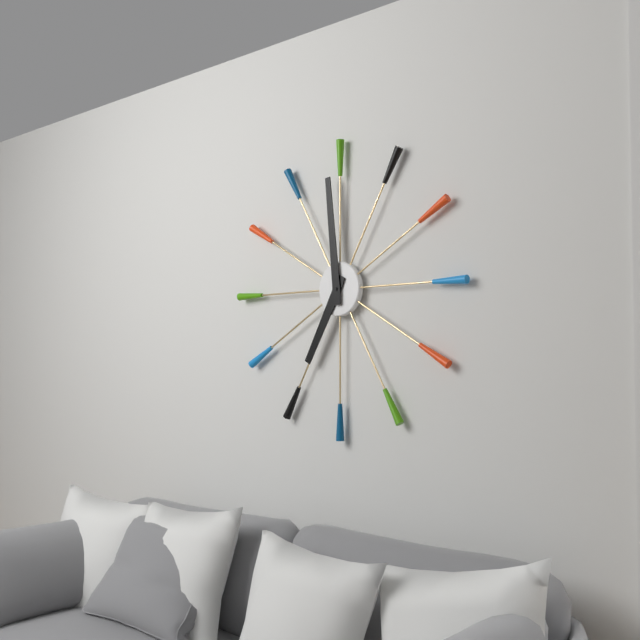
6:59
